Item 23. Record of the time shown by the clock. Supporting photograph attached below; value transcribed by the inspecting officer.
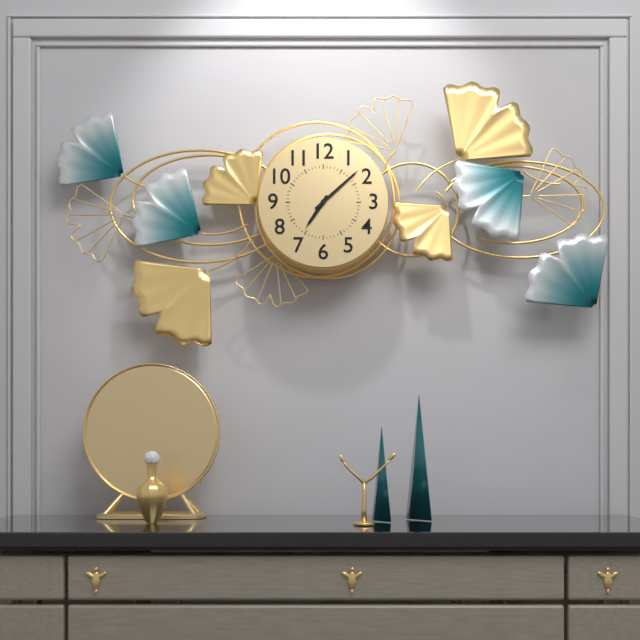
7:08
